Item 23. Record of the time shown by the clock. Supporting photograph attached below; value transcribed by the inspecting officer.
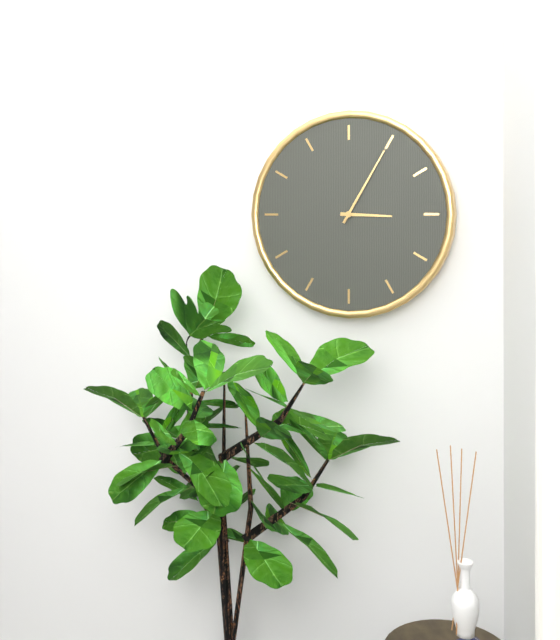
3:05
